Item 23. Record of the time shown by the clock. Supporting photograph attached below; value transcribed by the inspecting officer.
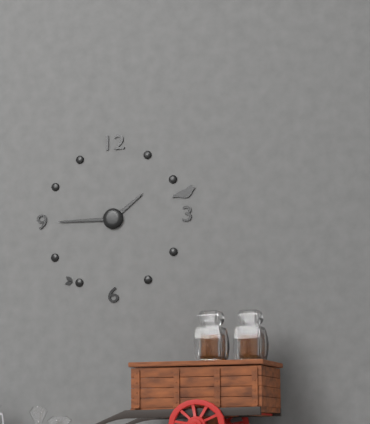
1:45
